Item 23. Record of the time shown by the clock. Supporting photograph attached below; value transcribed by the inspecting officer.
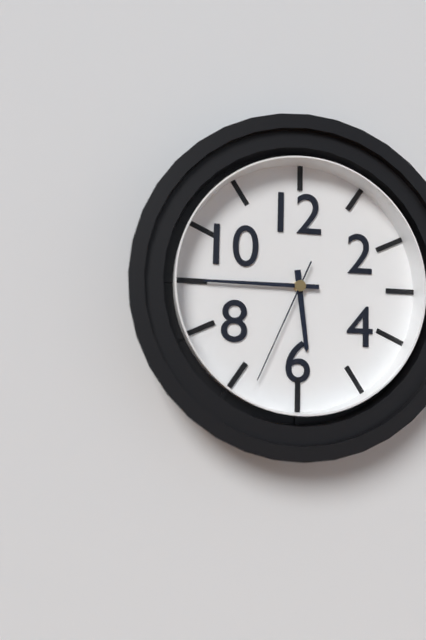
5:45:34
